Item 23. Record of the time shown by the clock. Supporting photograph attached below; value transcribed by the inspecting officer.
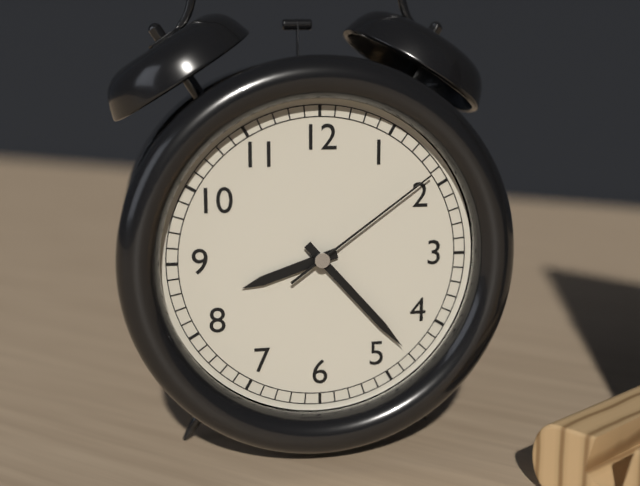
8:23:09
